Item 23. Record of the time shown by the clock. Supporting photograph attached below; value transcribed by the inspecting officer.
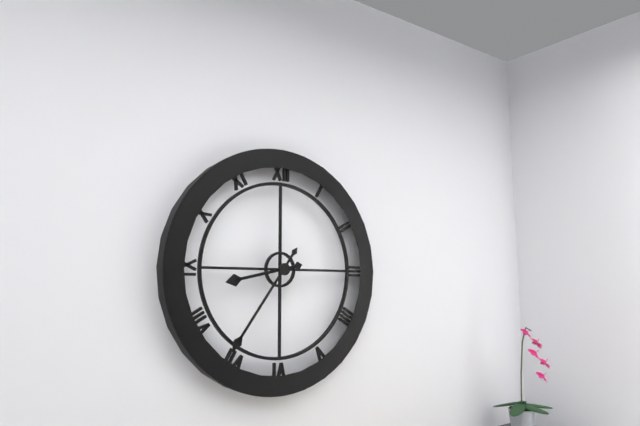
8:36
